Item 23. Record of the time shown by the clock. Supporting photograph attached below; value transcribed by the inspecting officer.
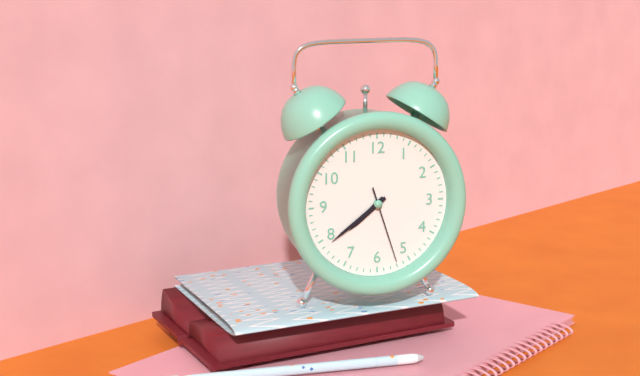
7:39:27
